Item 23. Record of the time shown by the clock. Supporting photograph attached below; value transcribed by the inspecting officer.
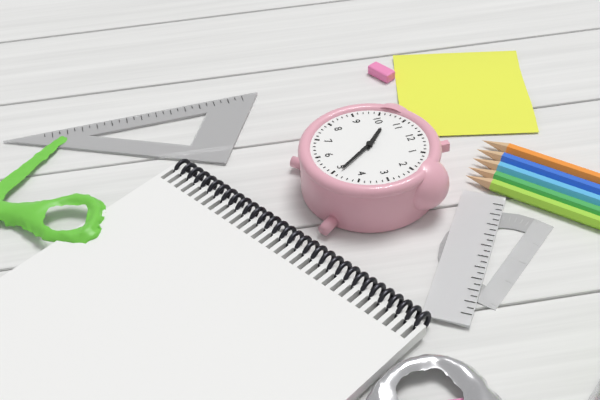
10:24
